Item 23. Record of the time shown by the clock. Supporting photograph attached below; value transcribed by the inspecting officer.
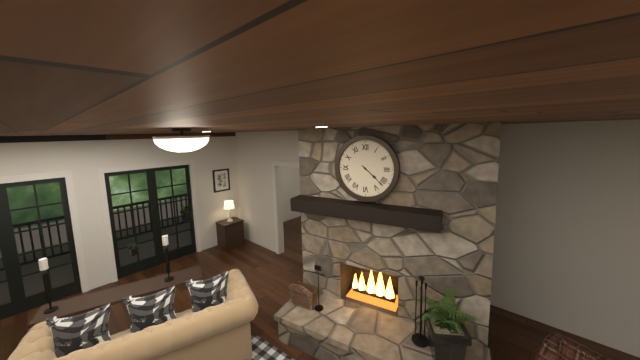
4:22
